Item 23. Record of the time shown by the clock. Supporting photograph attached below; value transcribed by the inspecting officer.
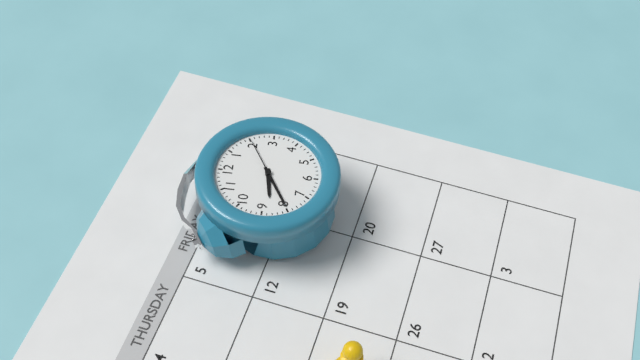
8:40:10
